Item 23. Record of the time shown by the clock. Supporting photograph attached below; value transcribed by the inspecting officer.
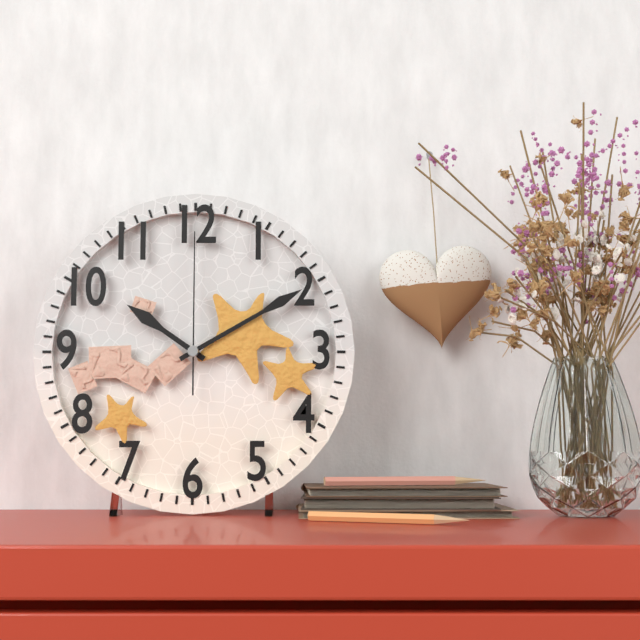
10:10:00
